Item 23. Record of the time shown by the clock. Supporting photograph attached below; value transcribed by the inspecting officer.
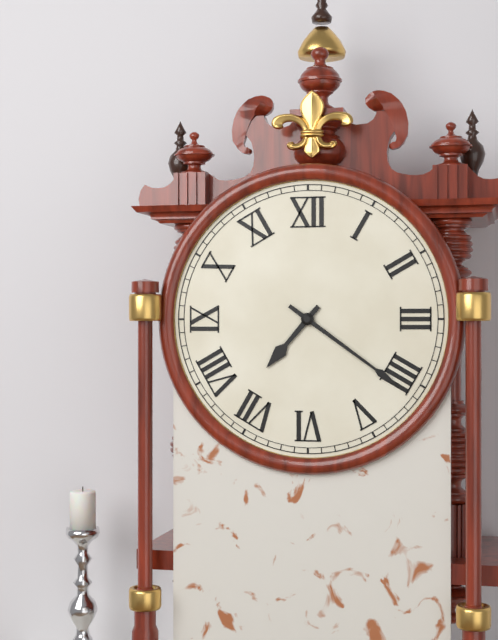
7:21
